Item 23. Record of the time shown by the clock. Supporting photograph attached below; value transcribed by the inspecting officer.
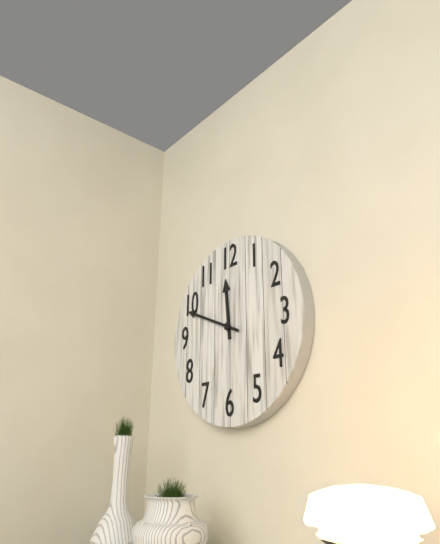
11:49
